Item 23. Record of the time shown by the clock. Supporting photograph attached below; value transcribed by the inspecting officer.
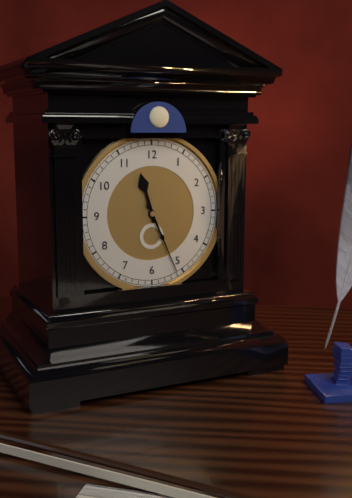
11:26
